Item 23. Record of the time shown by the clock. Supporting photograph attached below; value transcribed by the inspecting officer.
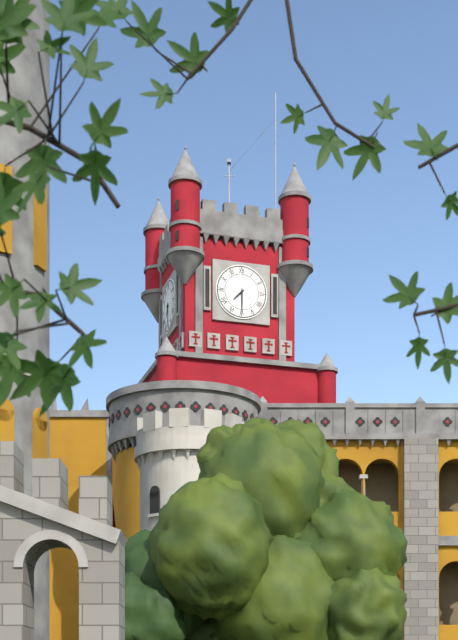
7:30
